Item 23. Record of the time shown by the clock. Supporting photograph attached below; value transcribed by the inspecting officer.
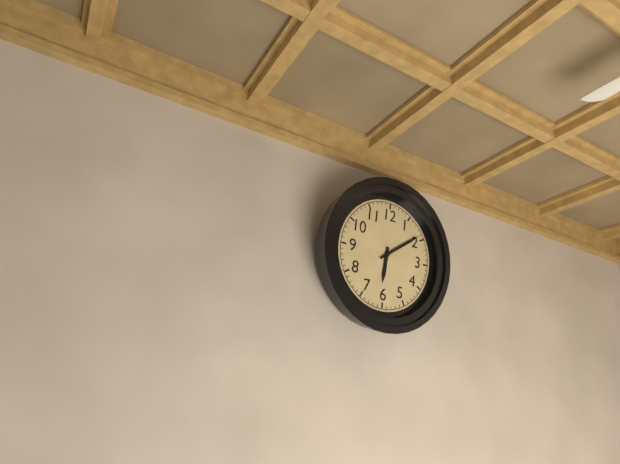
6:09
